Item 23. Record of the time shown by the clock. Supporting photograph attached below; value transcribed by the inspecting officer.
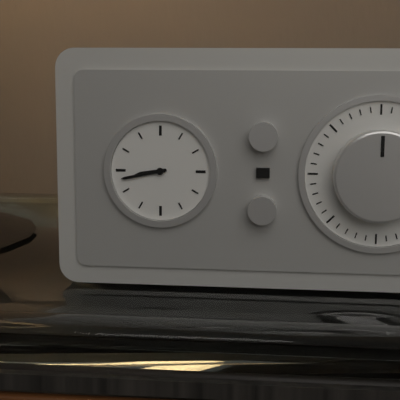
8:43
